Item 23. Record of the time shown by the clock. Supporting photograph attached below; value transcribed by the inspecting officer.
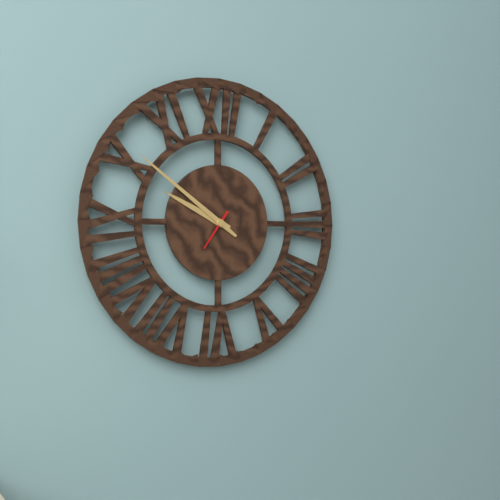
9:51
